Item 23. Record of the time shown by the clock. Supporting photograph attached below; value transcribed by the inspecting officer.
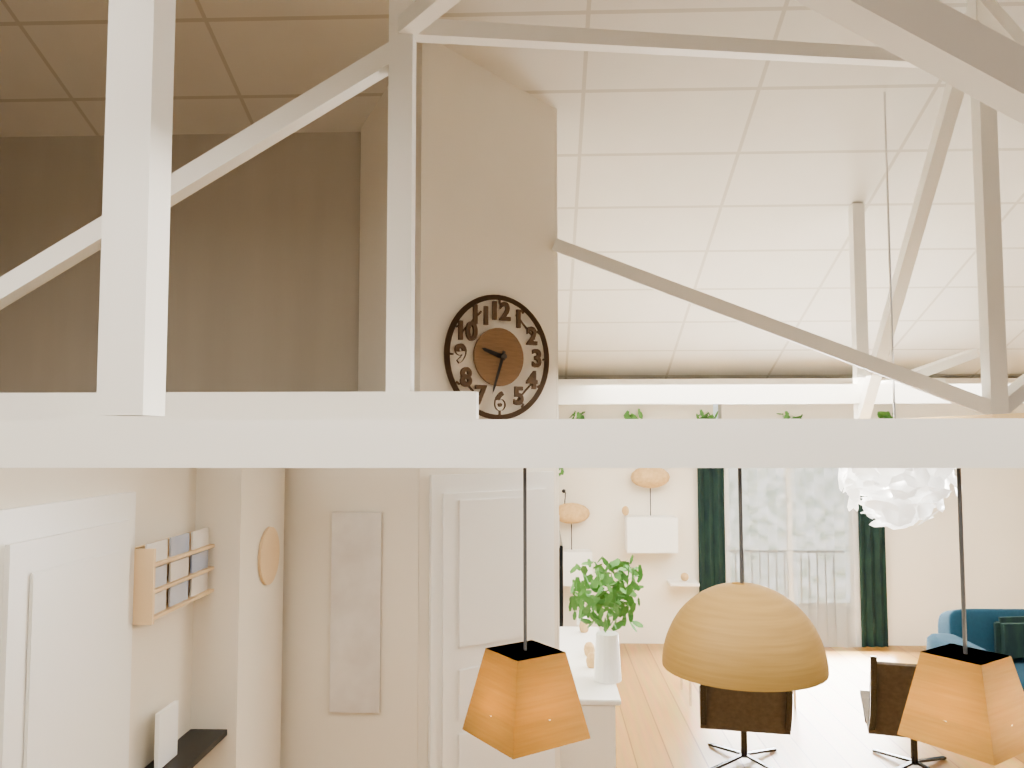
9:33
